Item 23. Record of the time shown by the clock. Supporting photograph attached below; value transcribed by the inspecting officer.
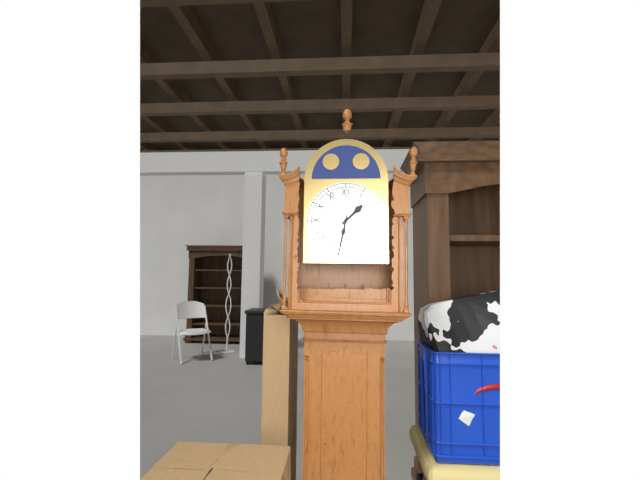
1:32
